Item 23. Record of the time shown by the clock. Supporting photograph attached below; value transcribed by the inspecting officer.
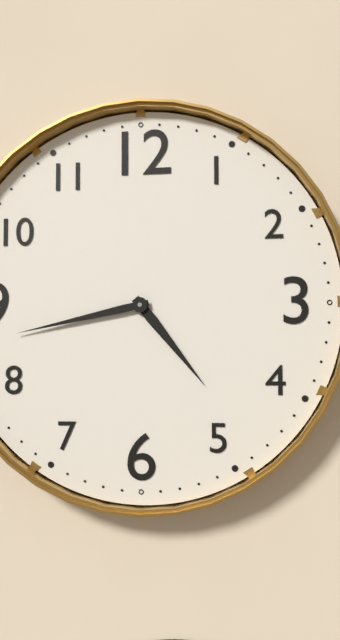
4:43
